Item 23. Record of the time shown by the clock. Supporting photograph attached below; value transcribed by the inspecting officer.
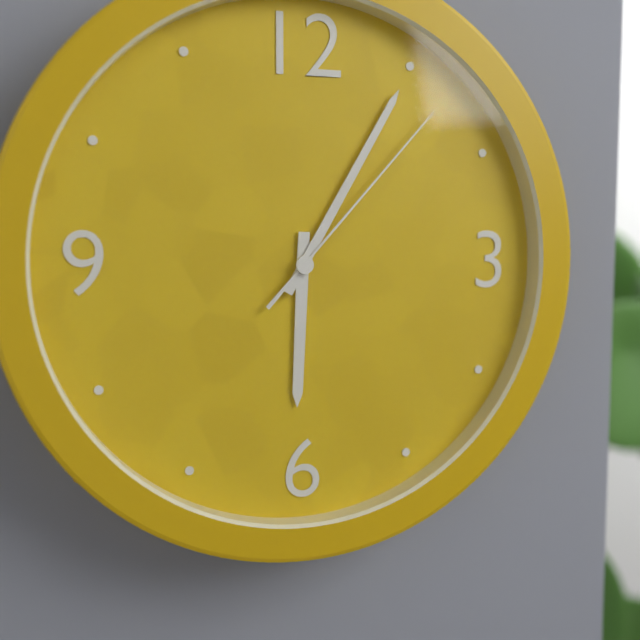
6:05:07
